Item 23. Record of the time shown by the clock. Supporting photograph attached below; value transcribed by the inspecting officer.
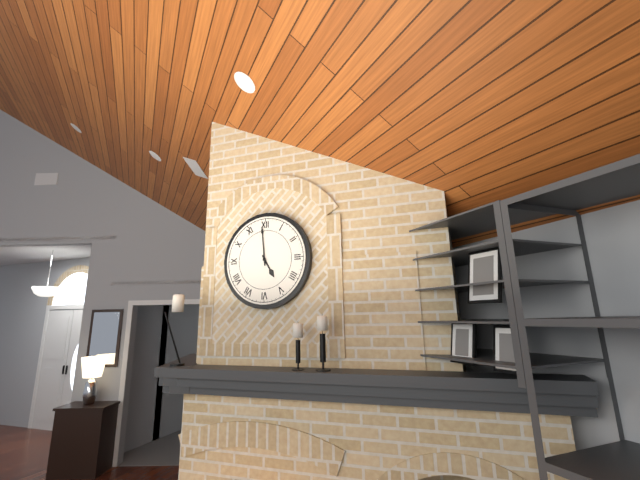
4:59
